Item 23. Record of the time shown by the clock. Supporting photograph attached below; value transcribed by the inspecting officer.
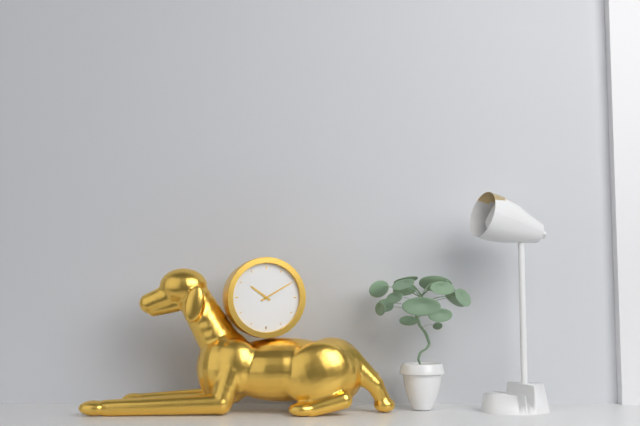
10:10
